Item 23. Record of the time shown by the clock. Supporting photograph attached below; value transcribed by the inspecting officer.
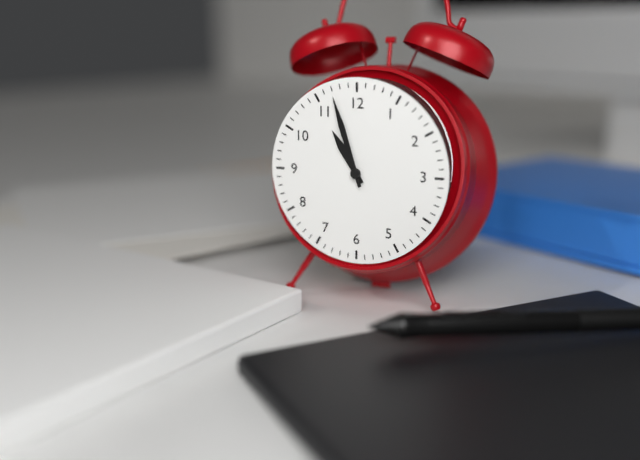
10:57
